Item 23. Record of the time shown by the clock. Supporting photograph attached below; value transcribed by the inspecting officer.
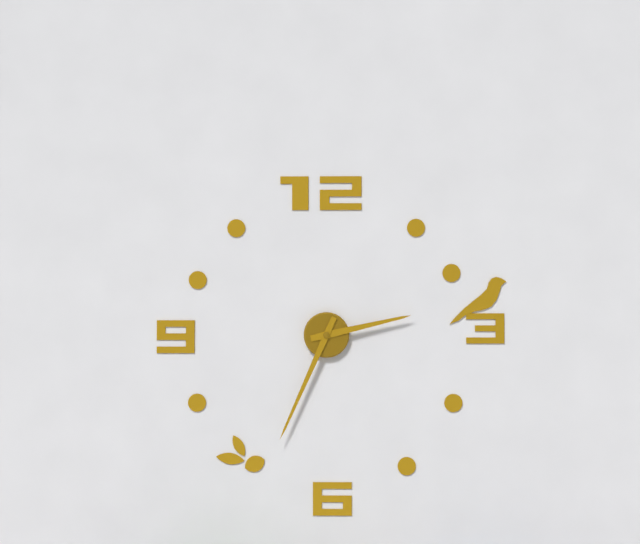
2:34
